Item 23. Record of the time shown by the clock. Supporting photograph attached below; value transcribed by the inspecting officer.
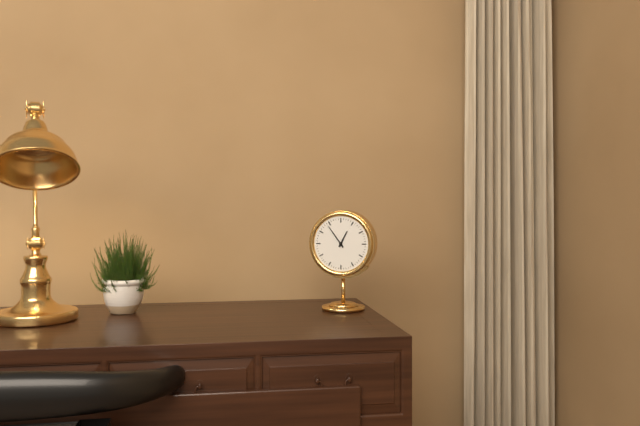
12:54
